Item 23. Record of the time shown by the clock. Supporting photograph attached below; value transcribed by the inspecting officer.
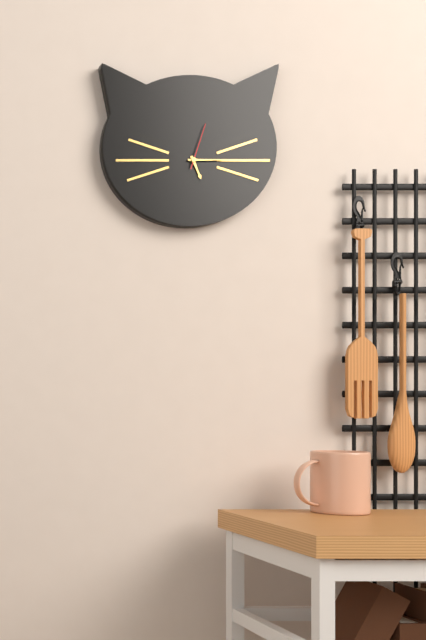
5:15:03
